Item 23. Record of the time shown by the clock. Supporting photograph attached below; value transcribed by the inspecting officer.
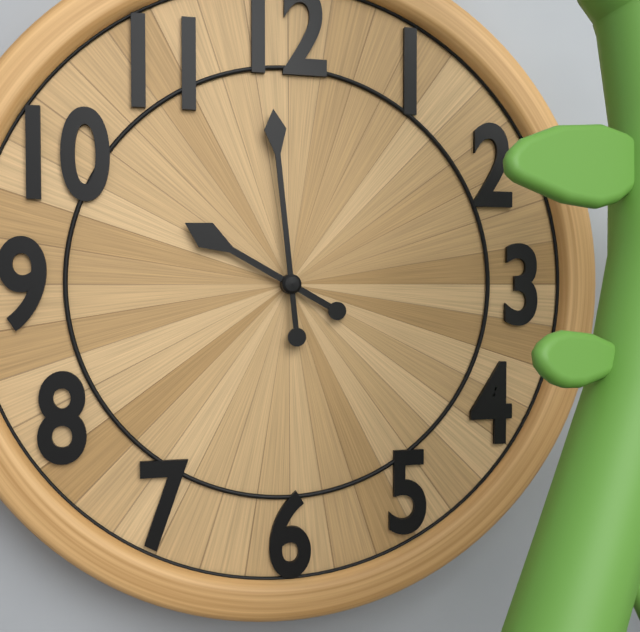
9:59
